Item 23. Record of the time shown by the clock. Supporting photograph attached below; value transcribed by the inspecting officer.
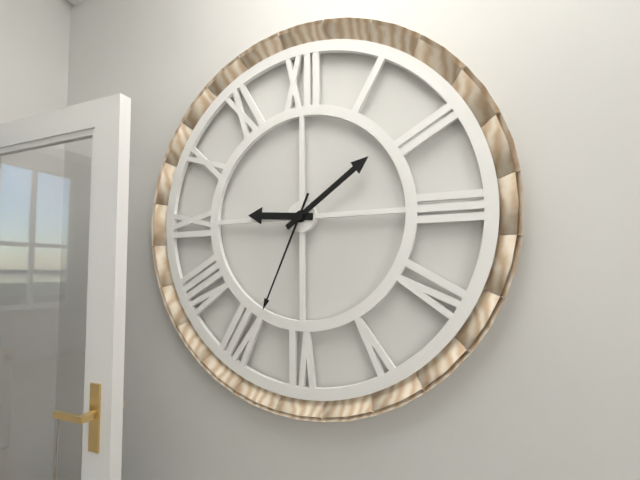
9:09:34
